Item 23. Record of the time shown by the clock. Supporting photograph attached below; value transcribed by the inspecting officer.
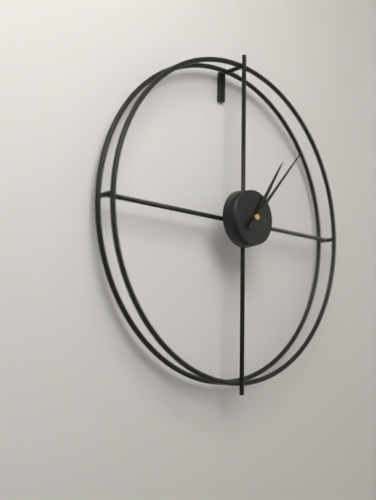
1:07
